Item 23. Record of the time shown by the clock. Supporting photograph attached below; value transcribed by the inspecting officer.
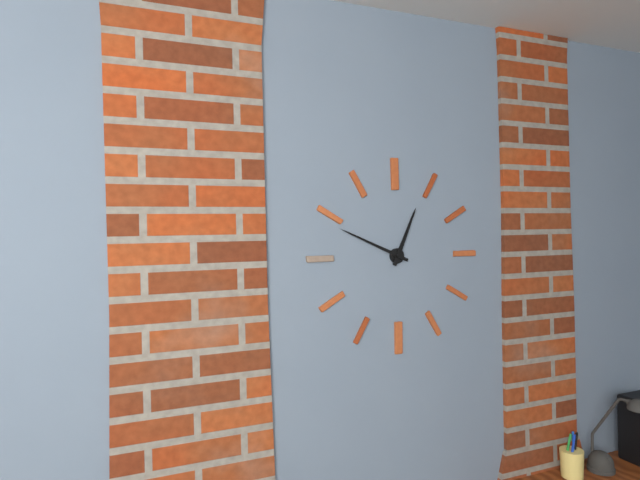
12:49
